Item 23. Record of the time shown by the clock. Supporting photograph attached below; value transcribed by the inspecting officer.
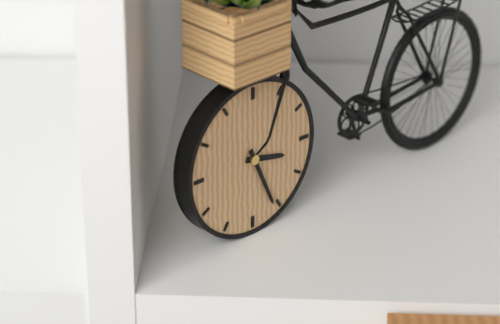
3:26
